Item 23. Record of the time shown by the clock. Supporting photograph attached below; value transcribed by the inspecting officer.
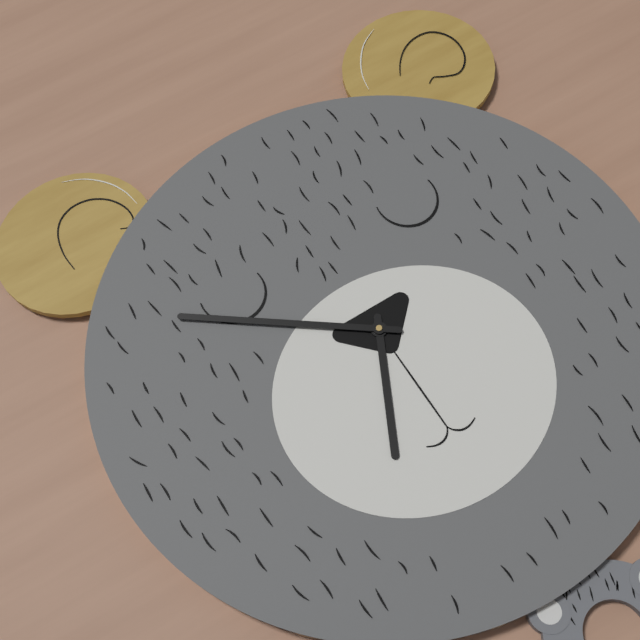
6:51
